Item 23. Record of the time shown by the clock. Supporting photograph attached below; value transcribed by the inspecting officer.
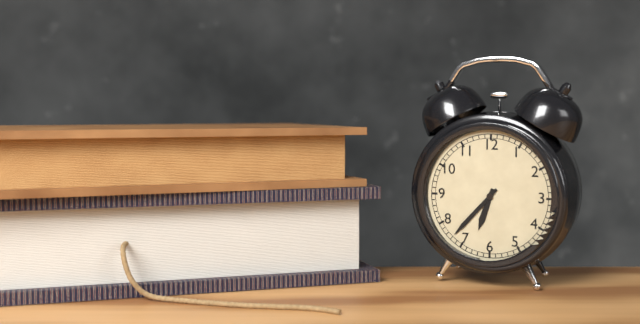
6:37
